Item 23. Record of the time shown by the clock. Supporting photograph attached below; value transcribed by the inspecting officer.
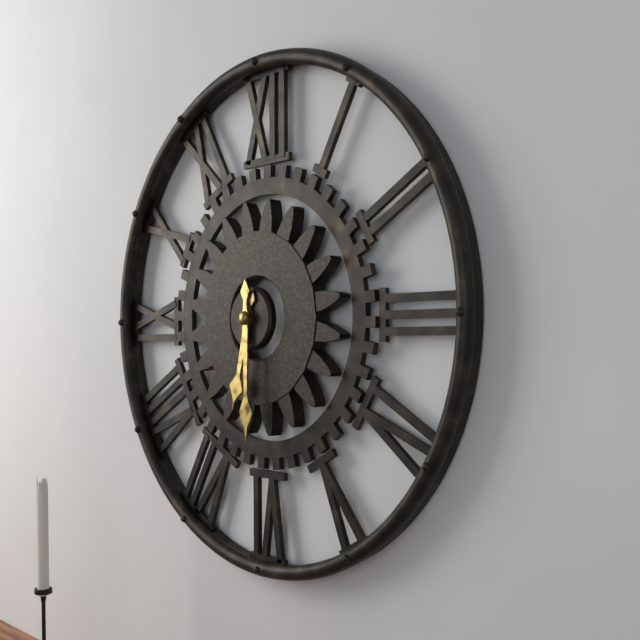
6:30
